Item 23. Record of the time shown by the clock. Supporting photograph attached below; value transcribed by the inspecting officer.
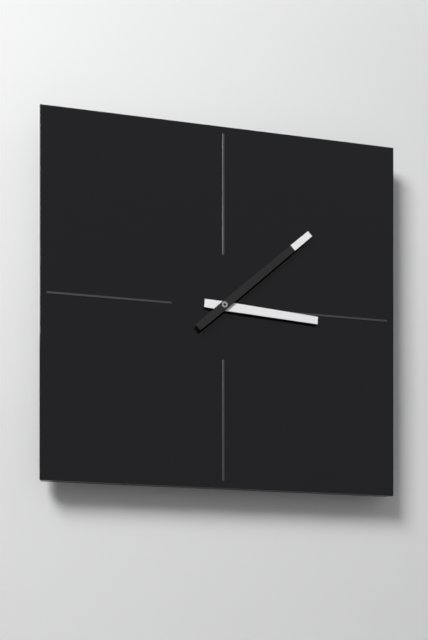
3:08
